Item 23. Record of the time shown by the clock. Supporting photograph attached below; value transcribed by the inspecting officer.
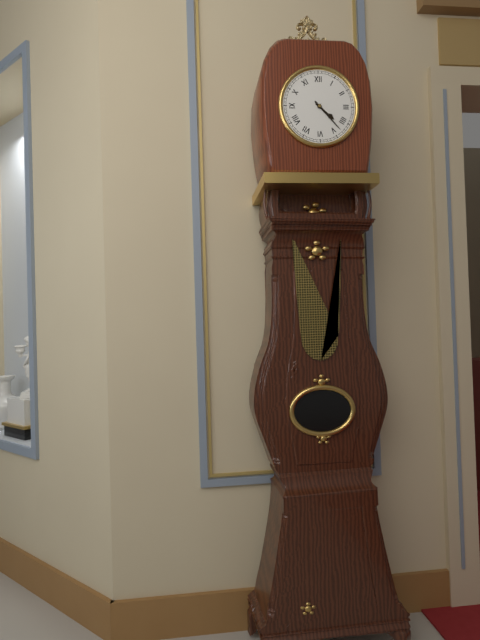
4:23
